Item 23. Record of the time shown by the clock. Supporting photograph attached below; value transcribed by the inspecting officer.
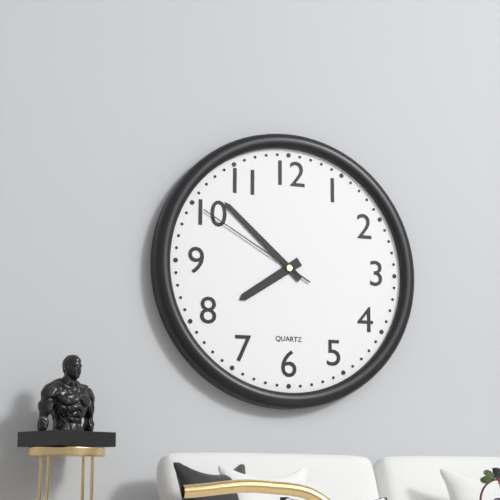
7:52:50
